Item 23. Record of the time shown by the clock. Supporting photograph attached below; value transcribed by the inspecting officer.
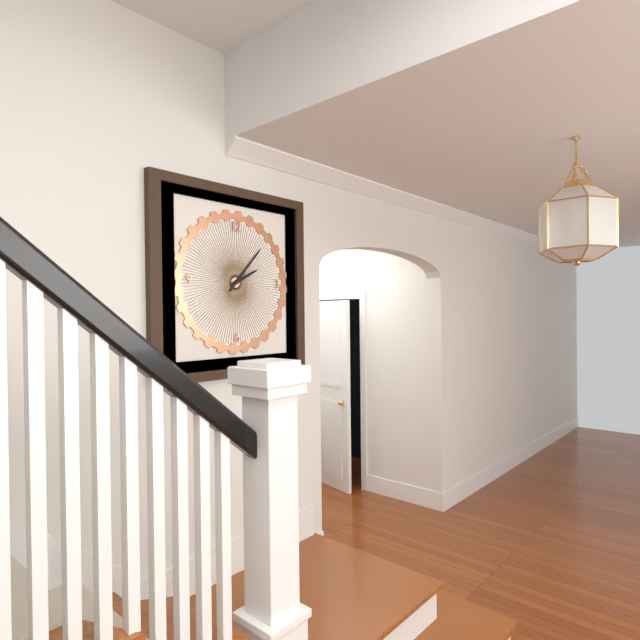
2:07
